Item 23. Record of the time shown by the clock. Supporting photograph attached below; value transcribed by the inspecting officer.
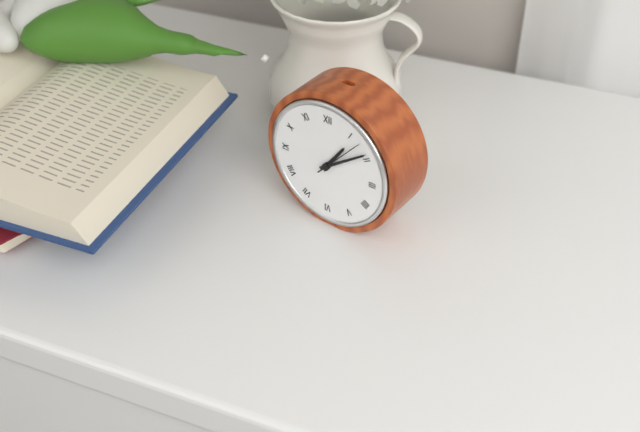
1:09:07
